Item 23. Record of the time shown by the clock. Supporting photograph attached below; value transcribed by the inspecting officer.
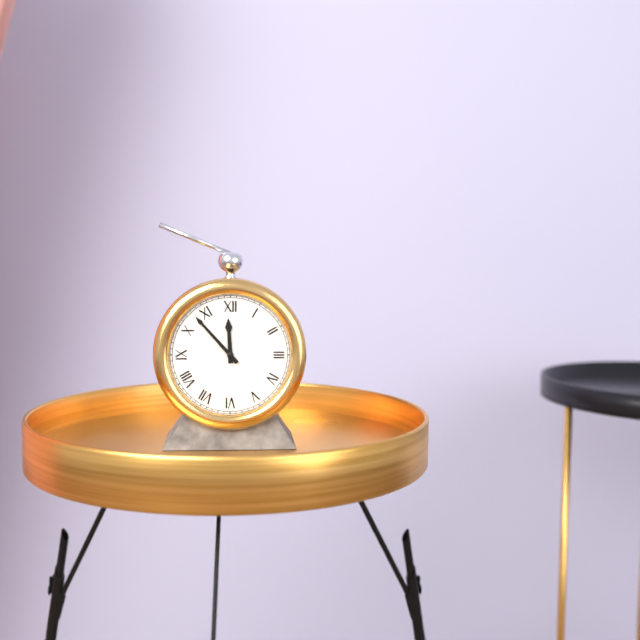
11:53
